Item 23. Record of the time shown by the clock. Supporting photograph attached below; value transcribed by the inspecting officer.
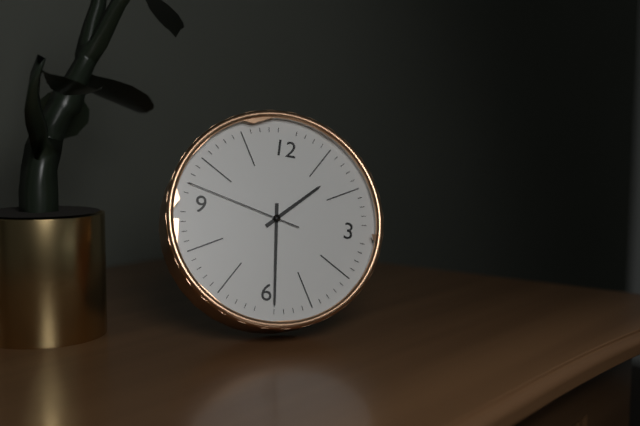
1:29:47
